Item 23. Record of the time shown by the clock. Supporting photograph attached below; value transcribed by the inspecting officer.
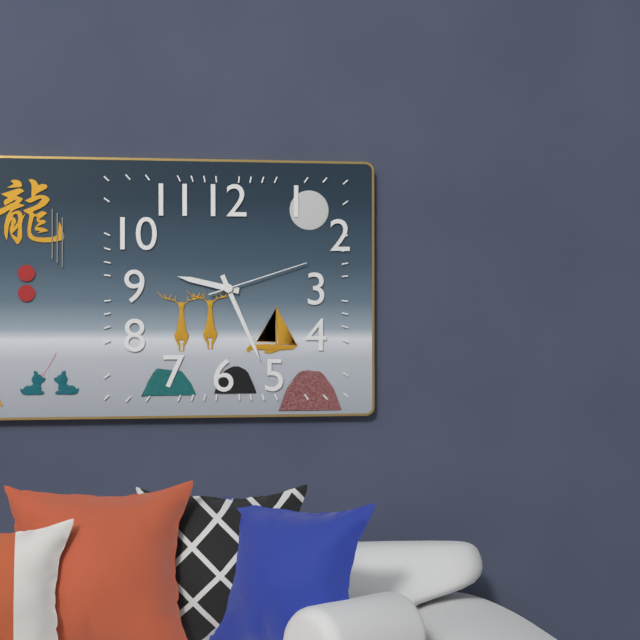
9:26:12
